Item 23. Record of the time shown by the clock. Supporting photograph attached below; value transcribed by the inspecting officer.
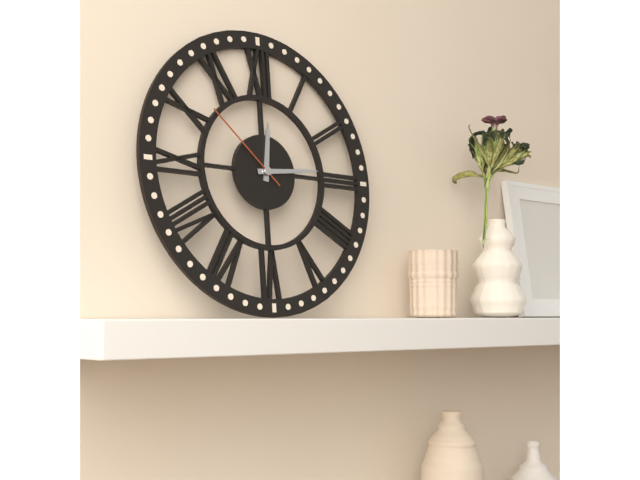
12:14:52
